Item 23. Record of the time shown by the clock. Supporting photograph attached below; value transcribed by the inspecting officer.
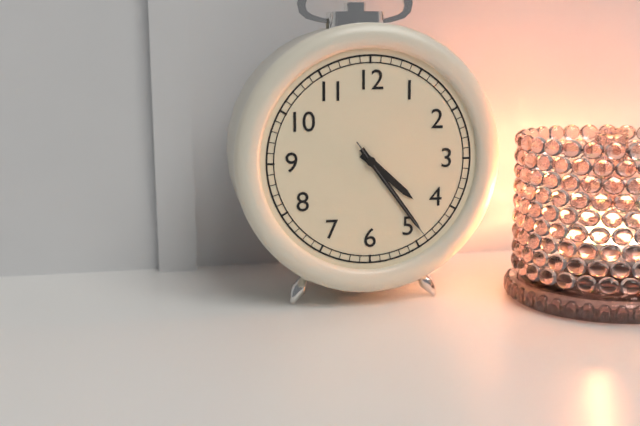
4:24:24
